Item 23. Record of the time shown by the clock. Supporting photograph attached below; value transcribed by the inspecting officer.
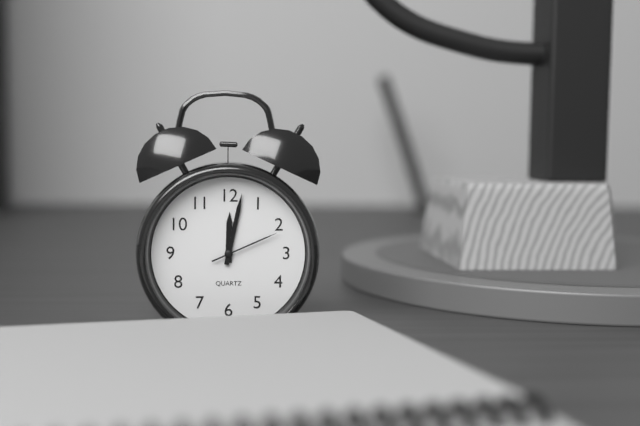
12:02:11
